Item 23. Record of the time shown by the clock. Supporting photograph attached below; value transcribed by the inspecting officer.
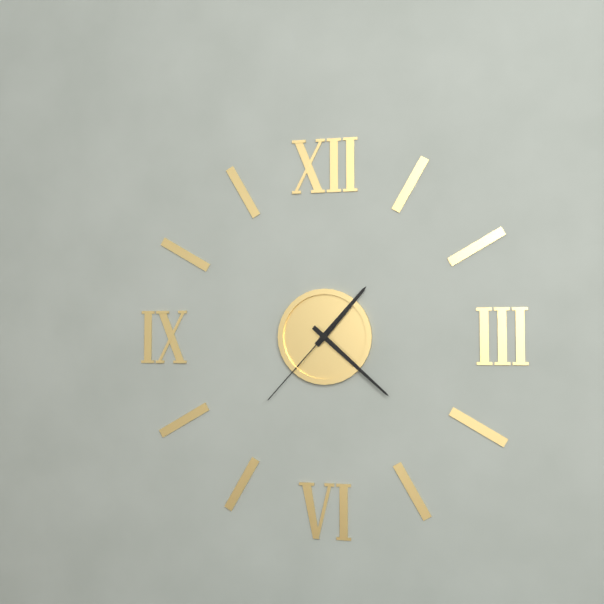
1:22:37
